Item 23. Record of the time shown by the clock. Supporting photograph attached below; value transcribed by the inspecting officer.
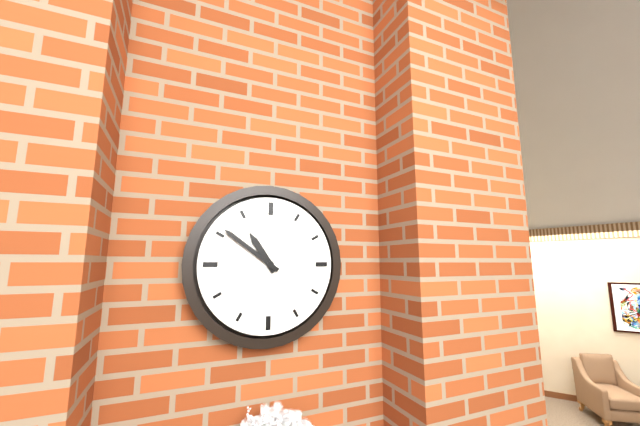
10:51
